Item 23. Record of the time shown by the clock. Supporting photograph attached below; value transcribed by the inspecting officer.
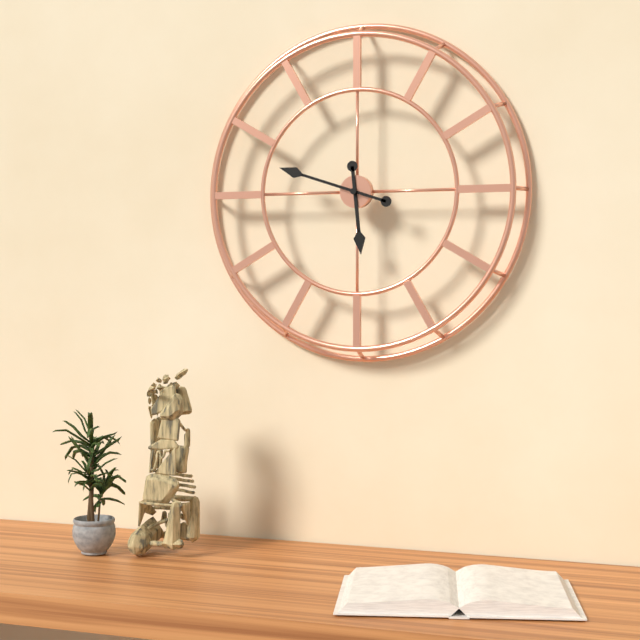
5:48
